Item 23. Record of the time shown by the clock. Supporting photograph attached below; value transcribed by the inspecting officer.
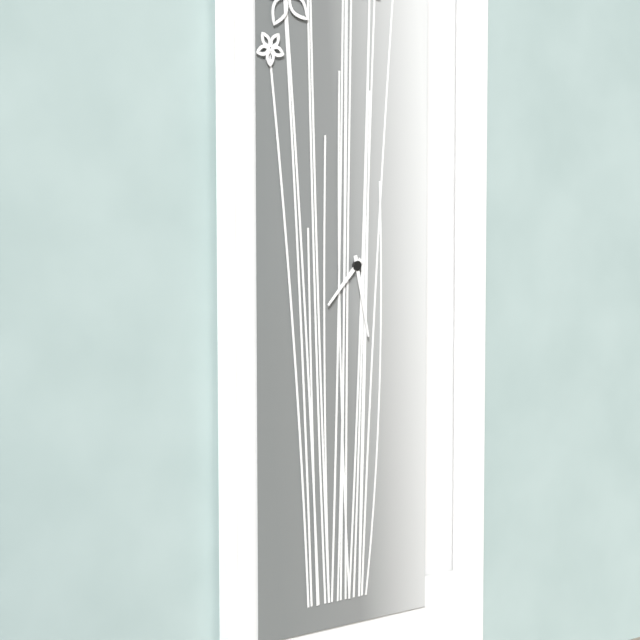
7:28
